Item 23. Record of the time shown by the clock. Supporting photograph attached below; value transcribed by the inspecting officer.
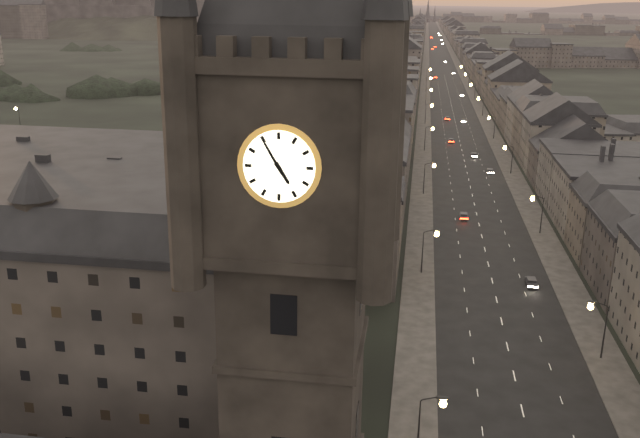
4:55
